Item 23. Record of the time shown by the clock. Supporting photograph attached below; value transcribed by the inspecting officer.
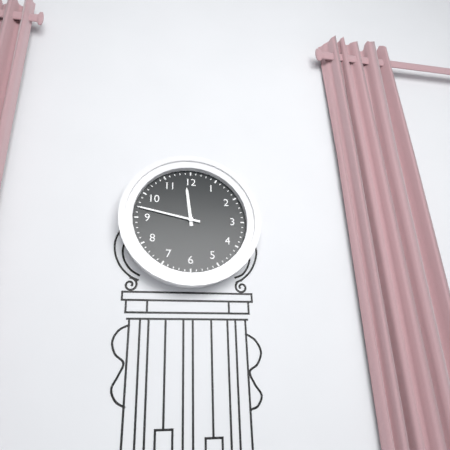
11:47
